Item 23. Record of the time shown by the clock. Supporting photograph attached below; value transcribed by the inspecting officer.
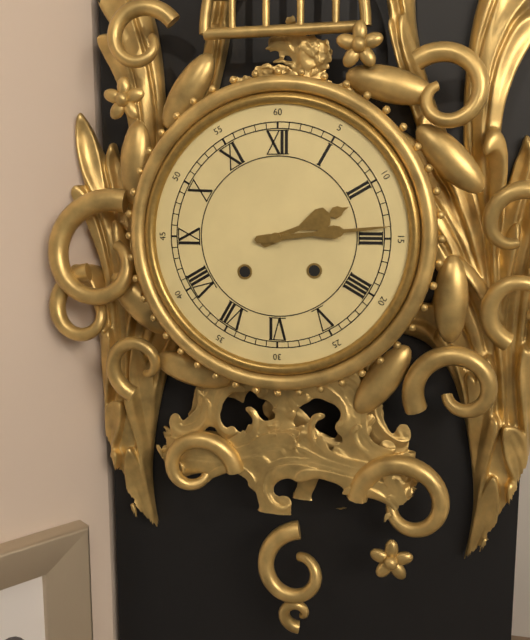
2:14
